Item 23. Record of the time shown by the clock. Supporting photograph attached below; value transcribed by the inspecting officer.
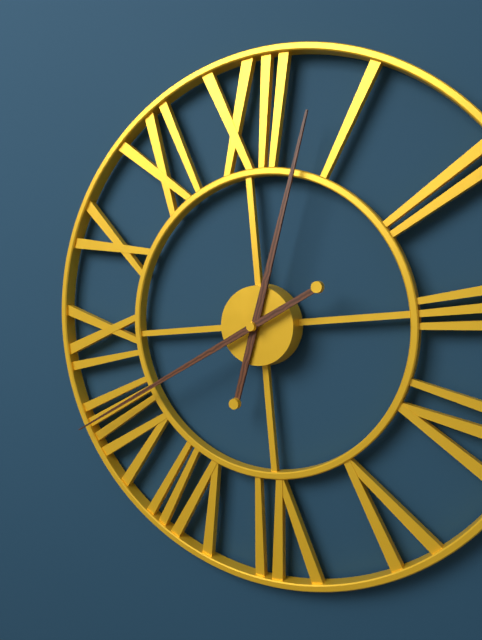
12:41
